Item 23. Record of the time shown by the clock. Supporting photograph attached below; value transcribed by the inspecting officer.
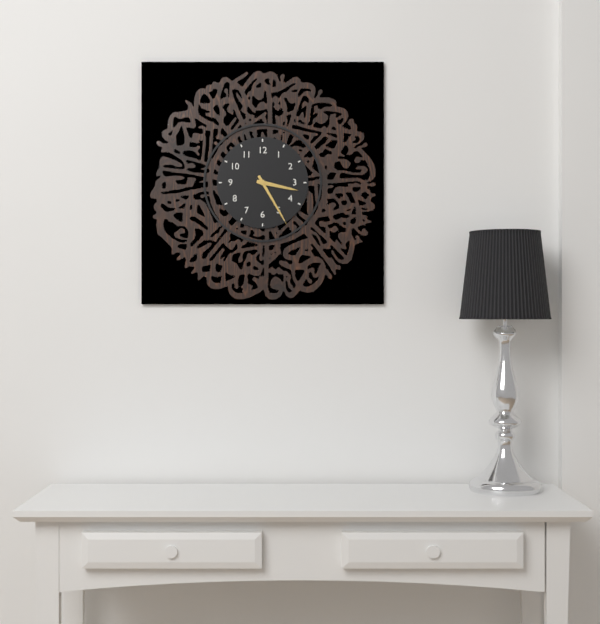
3:25
